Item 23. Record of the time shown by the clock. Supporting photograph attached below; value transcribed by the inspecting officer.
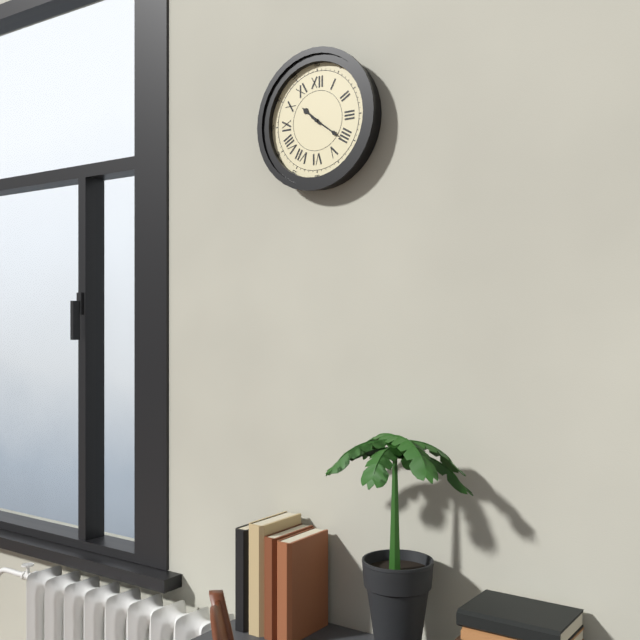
10:21
